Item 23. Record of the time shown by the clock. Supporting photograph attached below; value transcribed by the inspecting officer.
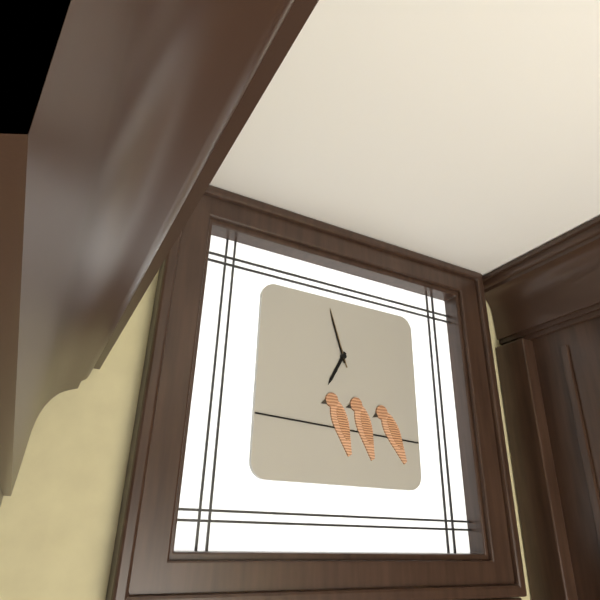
6:57:57
